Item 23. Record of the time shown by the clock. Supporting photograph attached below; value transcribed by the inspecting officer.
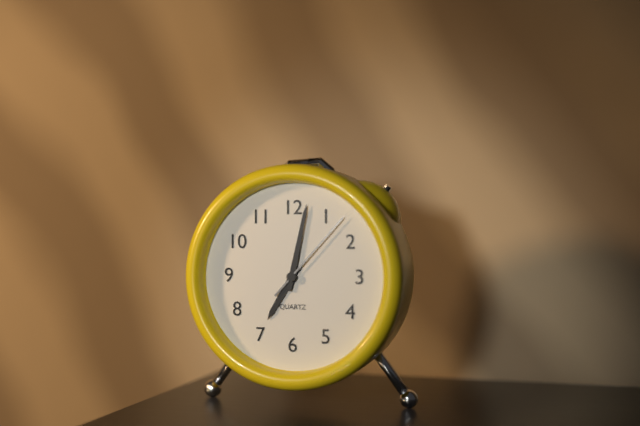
7:02:07
